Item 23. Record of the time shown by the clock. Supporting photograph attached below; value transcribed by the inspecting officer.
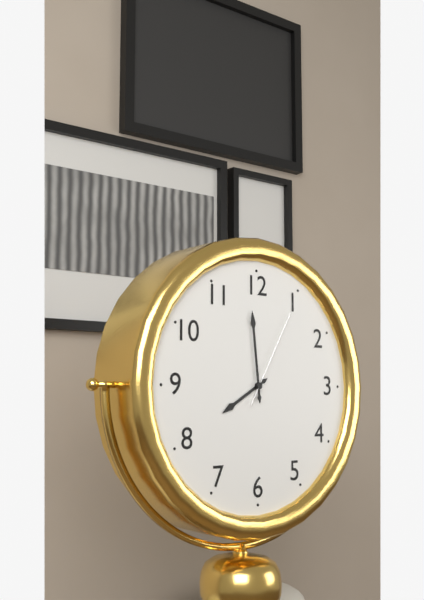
7:59:05
